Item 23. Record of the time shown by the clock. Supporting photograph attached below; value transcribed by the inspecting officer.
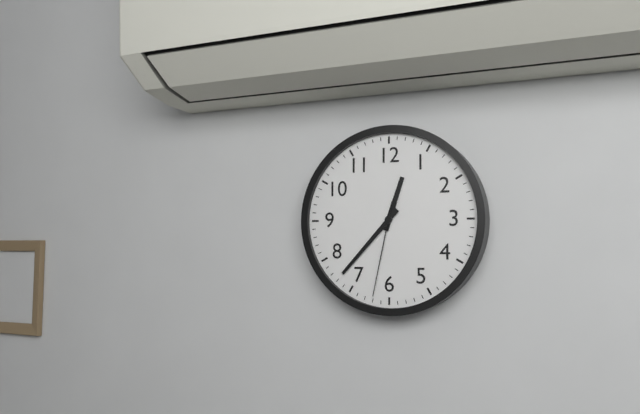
12:37:32
